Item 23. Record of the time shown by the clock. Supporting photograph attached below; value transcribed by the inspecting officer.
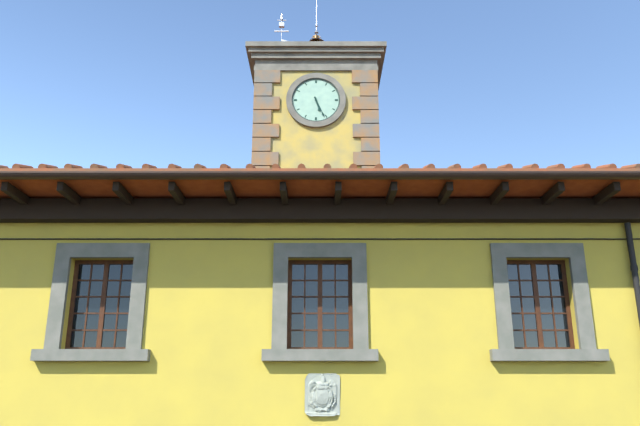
5:26
